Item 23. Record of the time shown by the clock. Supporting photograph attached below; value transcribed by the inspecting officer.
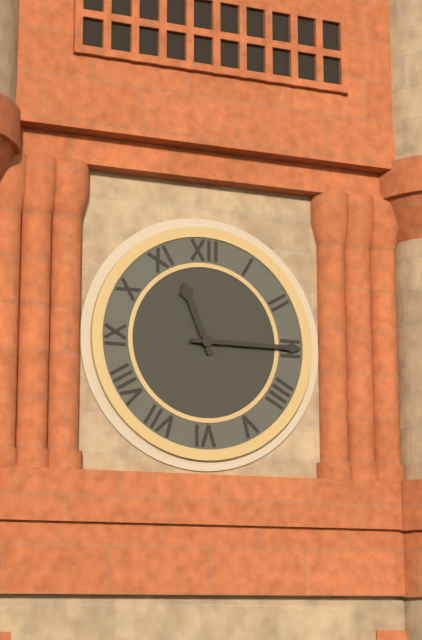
11:15
